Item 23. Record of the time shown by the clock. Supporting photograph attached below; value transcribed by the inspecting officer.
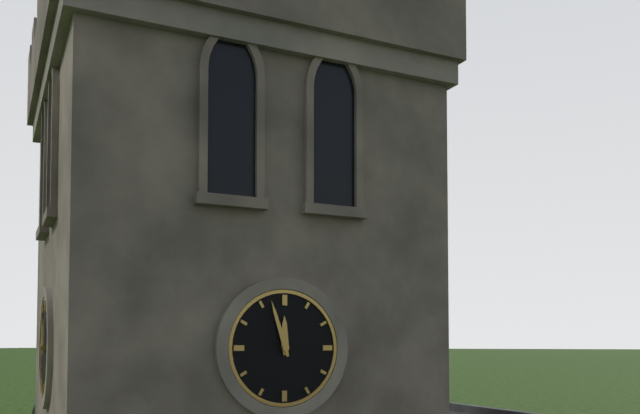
11:57
